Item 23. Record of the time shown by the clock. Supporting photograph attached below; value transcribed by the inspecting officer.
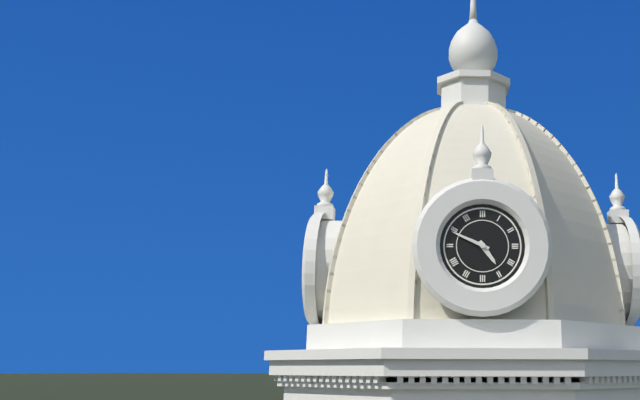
4:49
